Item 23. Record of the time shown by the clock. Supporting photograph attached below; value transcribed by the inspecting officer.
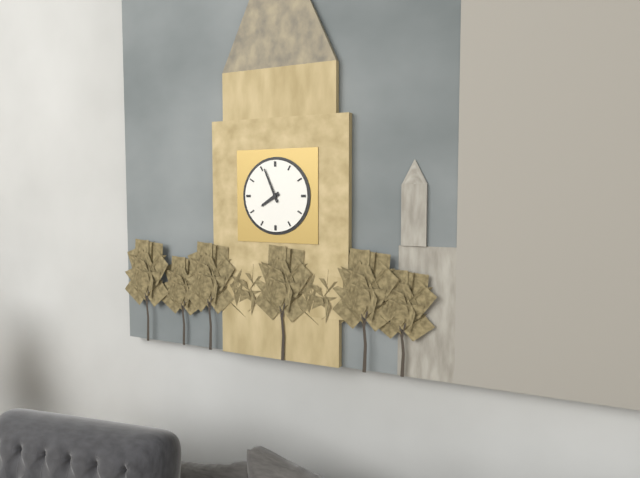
7:56
